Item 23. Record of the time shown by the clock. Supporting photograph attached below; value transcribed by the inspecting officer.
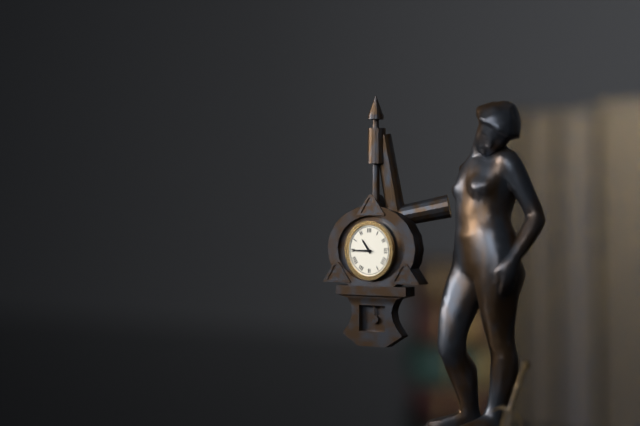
10:45
